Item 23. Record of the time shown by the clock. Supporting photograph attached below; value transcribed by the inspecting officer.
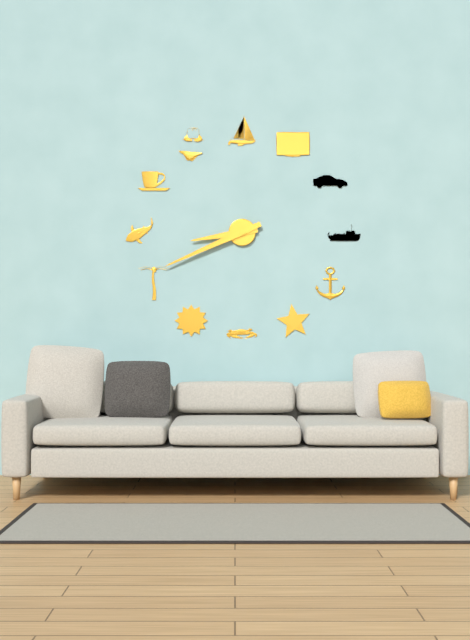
8:41
